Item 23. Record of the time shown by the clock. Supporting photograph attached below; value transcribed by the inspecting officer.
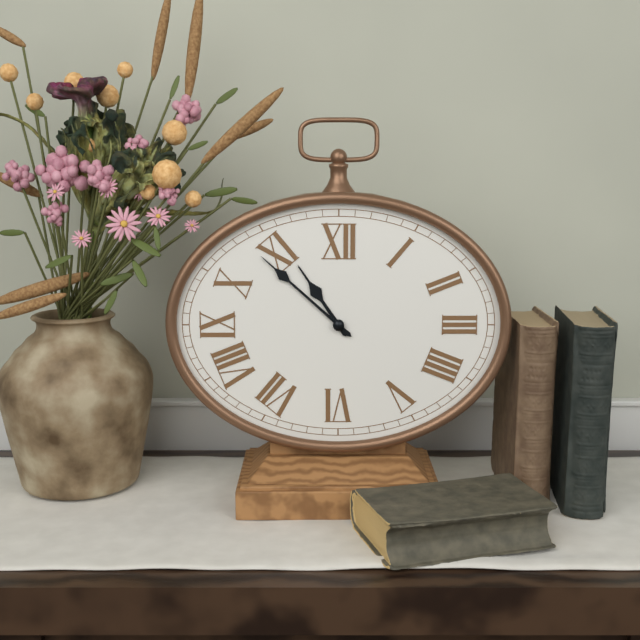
10:52
